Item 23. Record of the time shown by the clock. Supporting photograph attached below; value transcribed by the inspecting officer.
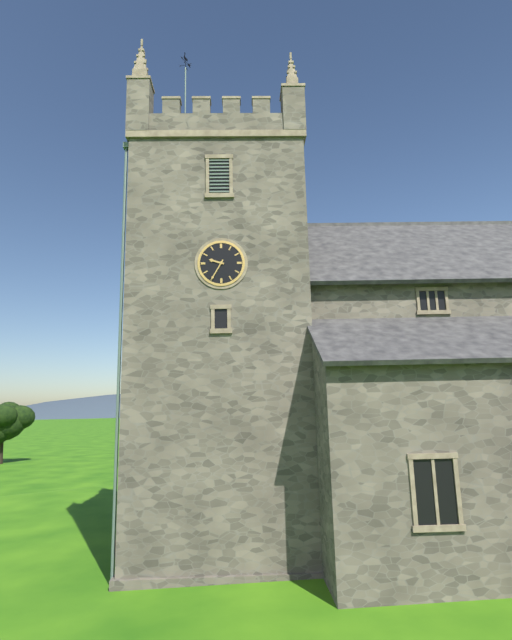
9:35
